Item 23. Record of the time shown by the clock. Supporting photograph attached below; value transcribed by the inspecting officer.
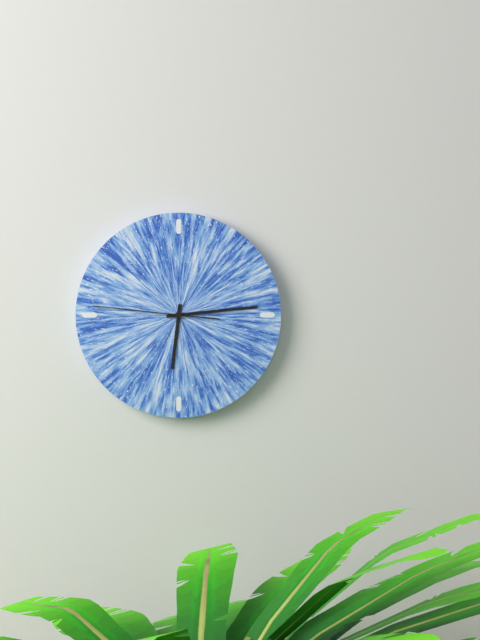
6:14:46
